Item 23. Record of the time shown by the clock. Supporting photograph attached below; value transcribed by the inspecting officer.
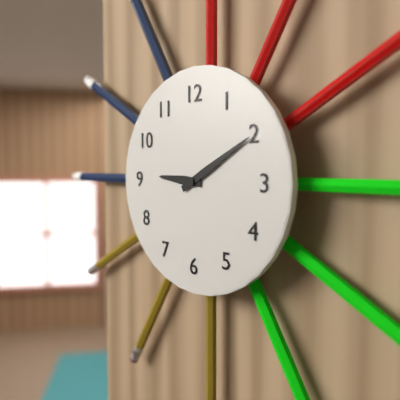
9:10
